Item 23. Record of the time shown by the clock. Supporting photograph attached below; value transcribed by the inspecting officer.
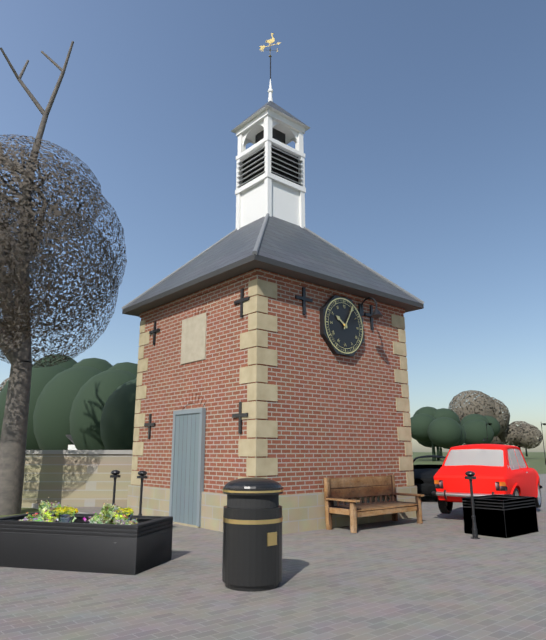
10:05
